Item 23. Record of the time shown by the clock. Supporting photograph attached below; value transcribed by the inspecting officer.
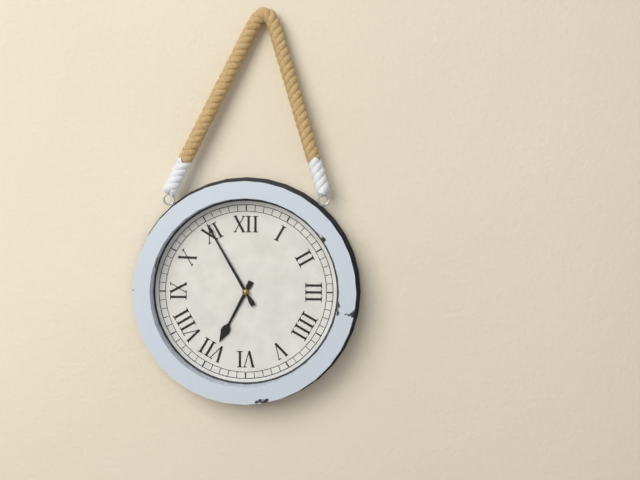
6:55
